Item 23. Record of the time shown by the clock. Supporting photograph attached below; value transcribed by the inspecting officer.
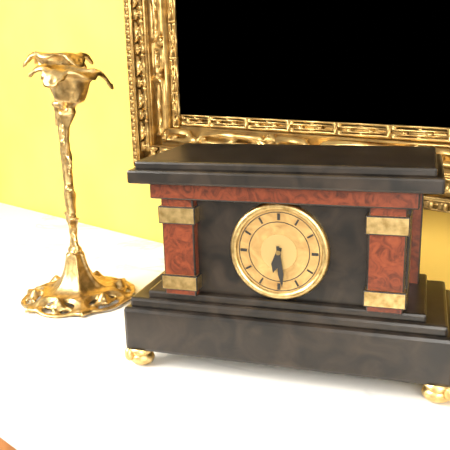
6:29
